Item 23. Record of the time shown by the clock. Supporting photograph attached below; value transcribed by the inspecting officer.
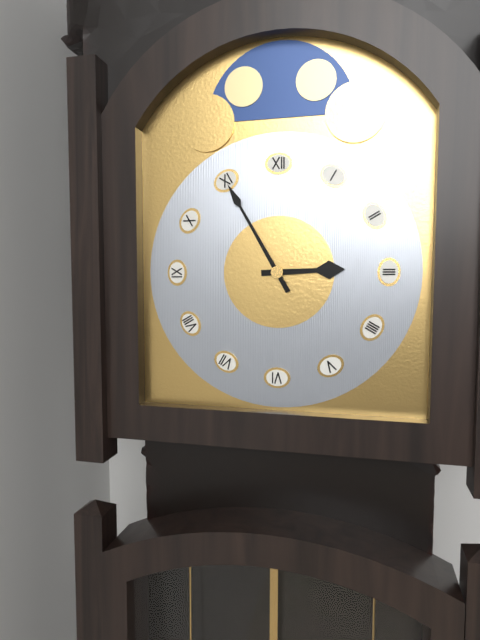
2:55
